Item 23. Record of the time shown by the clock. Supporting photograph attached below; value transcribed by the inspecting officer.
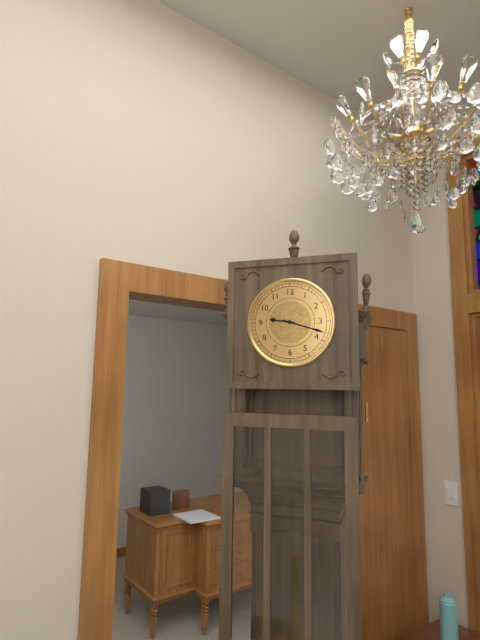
9:18
